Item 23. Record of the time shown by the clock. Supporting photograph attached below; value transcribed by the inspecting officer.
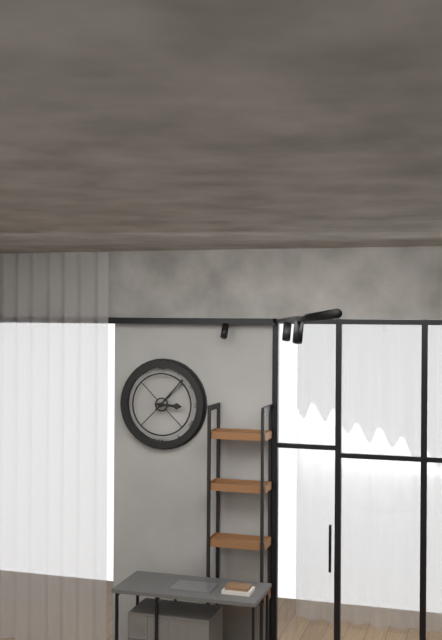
3:07
